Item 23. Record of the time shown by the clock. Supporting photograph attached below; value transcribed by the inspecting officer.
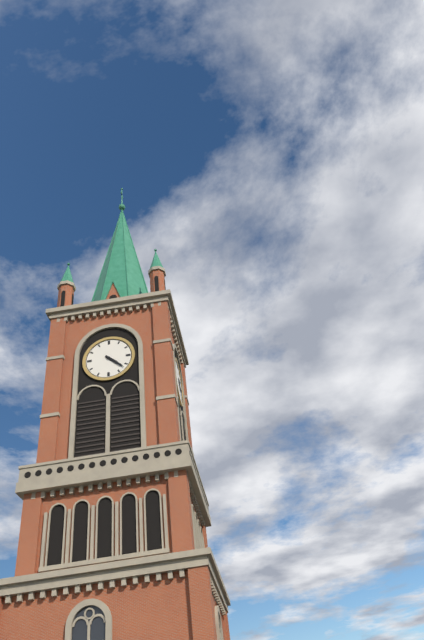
4:22
